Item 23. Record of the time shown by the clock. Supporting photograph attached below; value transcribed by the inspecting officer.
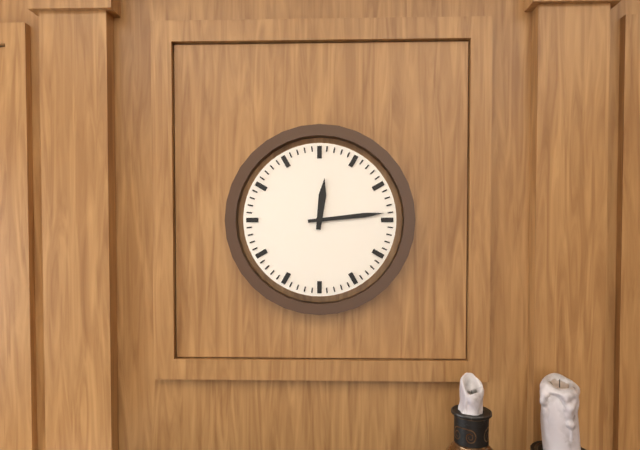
12:14
